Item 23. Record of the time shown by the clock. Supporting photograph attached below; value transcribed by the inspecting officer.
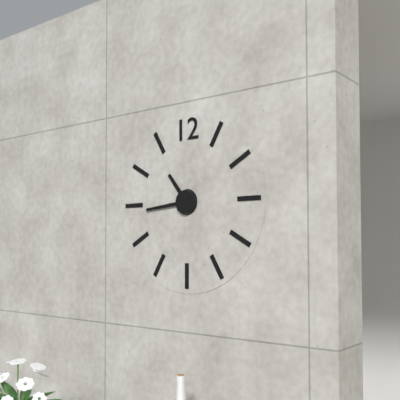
10:44
